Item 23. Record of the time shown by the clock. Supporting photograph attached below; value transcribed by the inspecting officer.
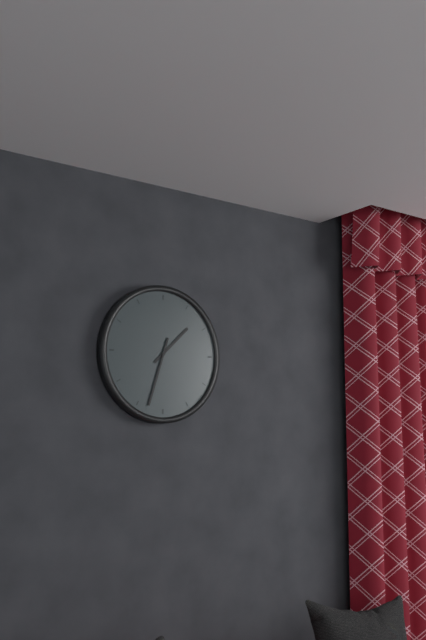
1:33
